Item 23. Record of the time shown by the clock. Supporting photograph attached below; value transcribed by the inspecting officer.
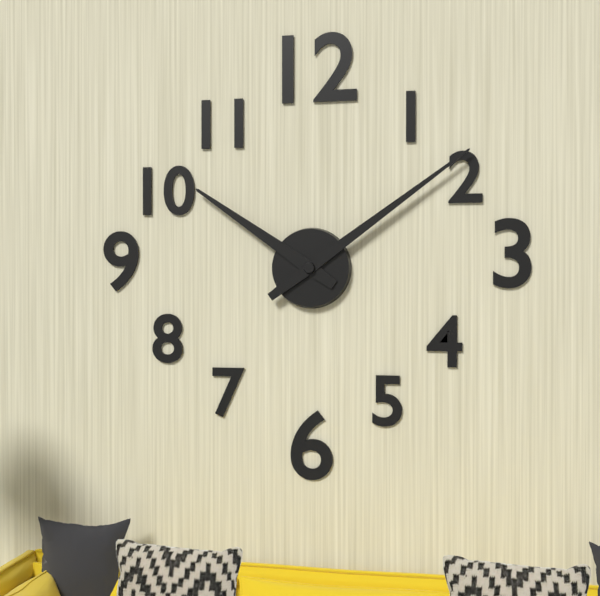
10:09
